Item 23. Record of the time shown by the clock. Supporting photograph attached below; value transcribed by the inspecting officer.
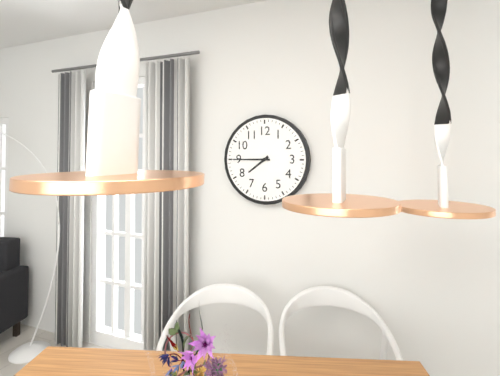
7:45
